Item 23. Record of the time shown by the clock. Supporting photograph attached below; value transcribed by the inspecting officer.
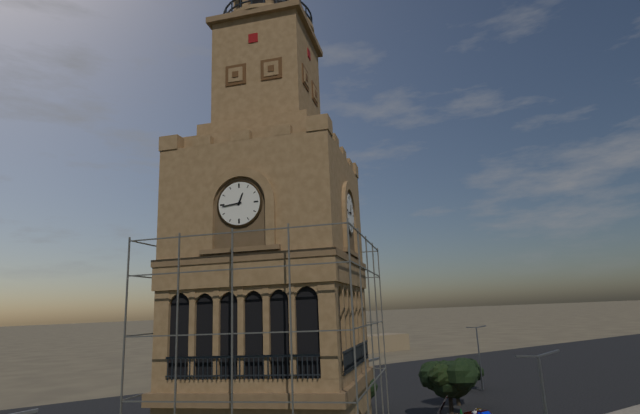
12:44
